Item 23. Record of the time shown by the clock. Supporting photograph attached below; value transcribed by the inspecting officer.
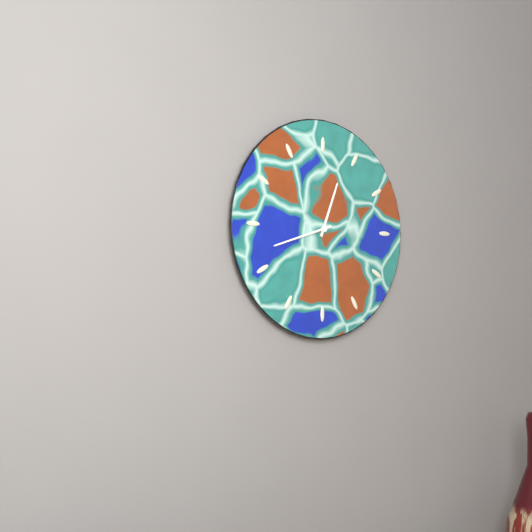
12:42
